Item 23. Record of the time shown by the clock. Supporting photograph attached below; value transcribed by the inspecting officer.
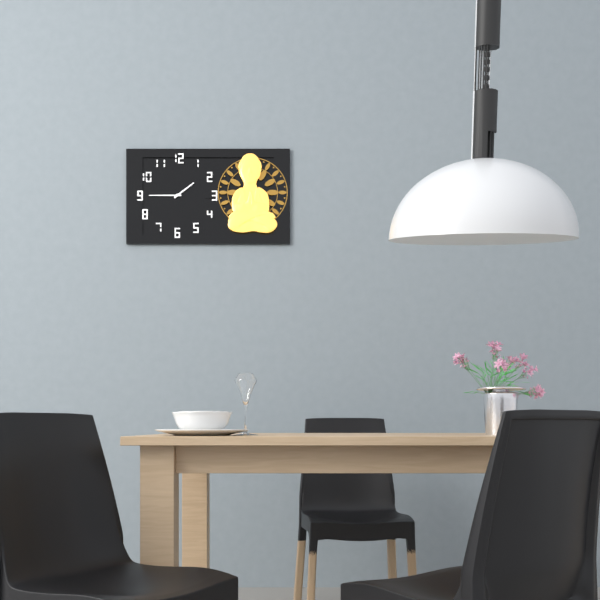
1:45
